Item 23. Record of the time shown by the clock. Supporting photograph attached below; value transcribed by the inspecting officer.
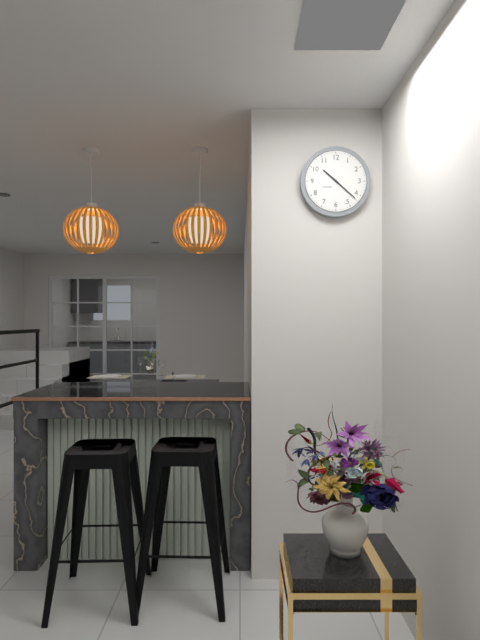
10:22
